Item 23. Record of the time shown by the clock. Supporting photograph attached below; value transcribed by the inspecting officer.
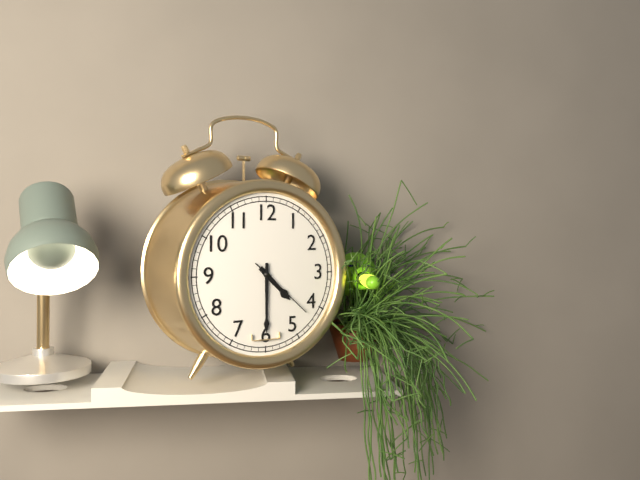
4:30:22
